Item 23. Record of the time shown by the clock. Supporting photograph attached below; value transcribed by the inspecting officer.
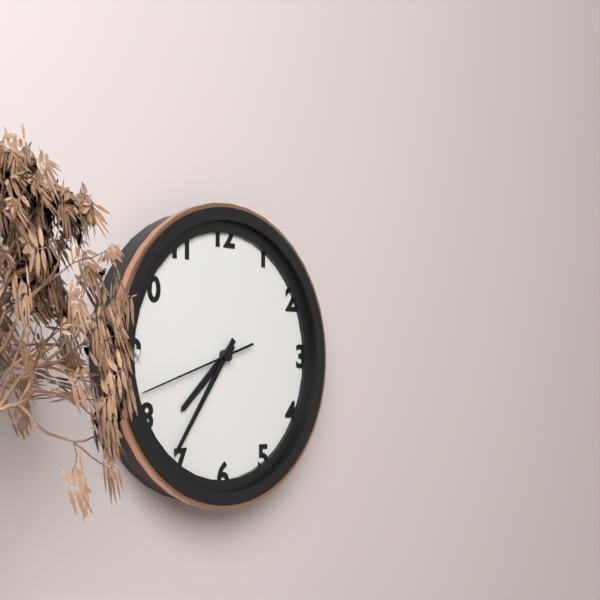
7:36:42
